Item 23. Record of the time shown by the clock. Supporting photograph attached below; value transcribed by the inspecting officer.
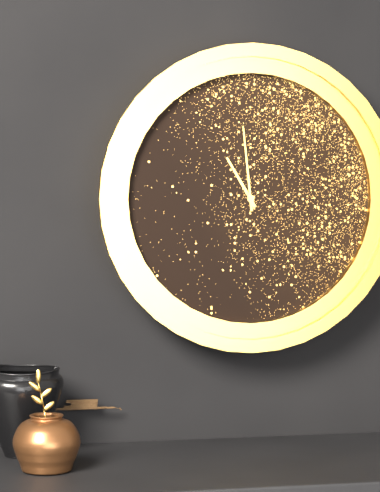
10:59
